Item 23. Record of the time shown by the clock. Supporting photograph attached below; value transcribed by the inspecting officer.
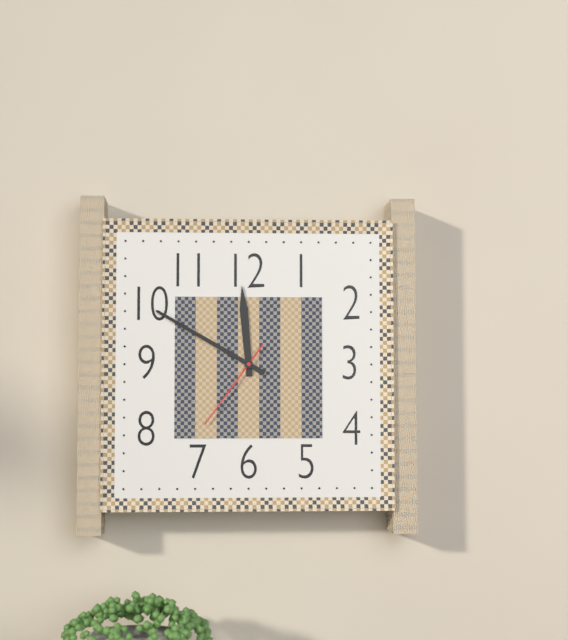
11:50:36
